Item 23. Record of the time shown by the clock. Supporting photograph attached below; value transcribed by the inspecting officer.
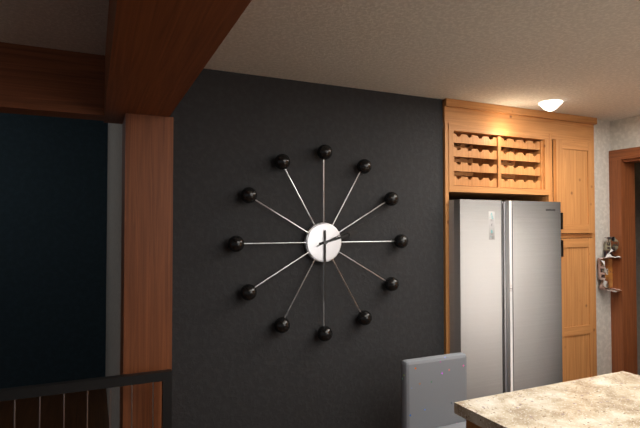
2:30:11
